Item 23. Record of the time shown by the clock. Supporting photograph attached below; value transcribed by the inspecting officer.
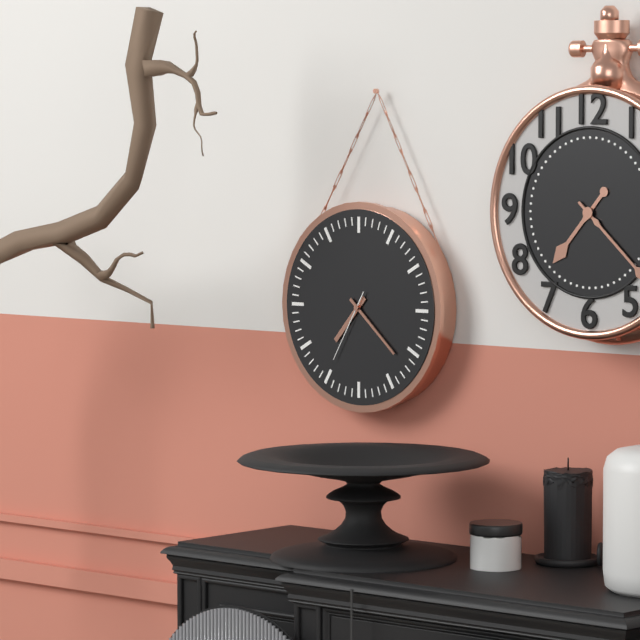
7:22:35
